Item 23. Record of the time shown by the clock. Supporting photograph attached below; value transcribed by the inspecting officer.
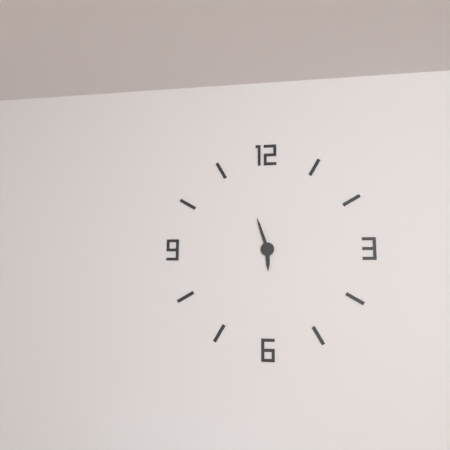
5:57
